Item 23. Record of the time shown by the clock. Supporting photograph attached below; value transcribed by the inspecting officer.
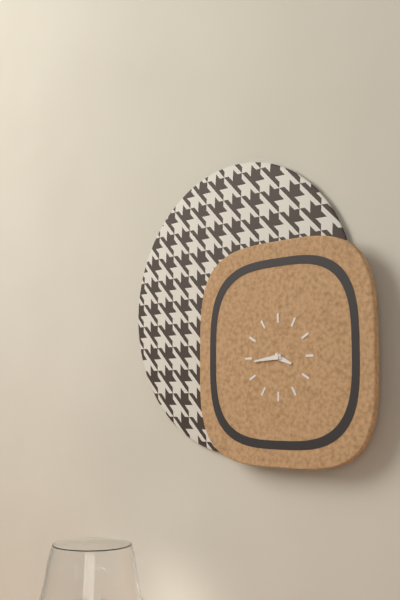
3:44
